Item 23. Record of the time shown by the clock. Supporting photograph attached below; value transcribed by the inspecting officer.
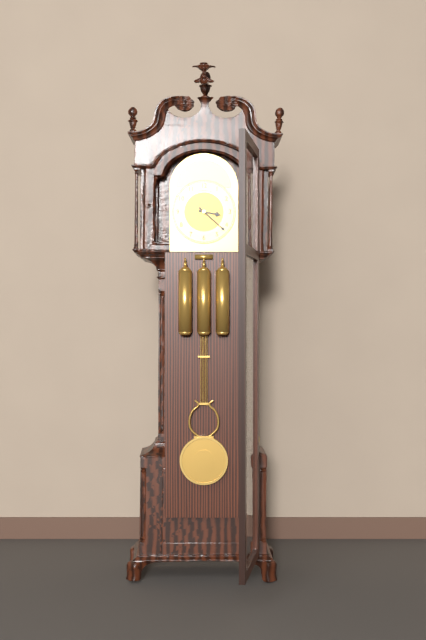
3:22
